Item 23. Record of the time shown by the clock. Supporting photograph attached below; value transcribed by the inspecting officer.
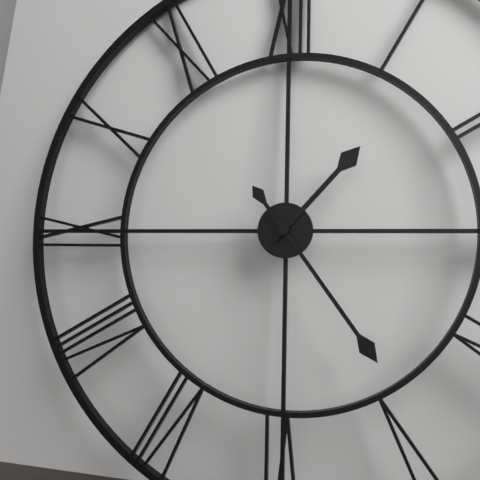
1:24
